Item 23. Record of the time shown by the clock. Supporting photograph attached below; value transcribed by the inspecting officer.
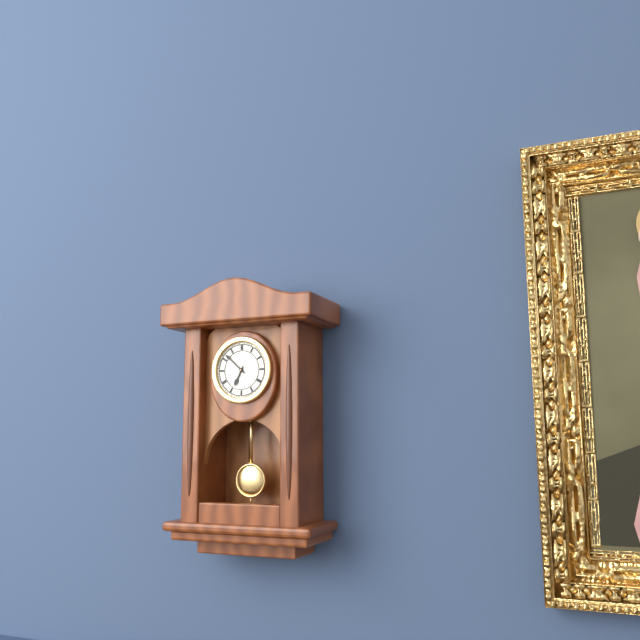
6:52
